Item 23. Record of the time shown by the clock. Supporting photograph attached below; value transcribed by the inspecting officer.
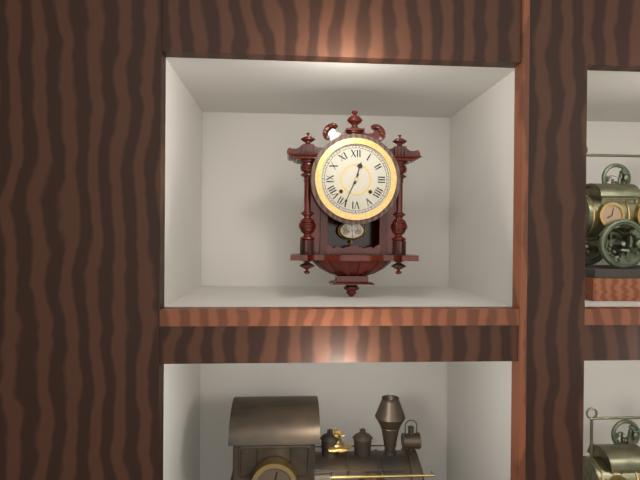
12:34
